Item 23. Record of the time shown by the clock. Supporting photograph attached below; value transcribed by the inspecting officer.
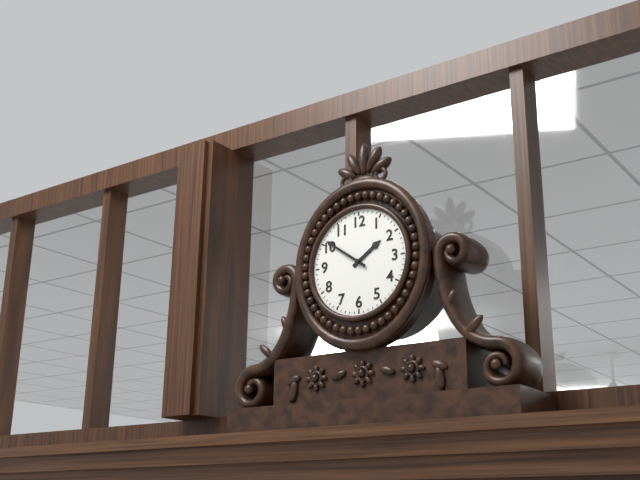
1:51
